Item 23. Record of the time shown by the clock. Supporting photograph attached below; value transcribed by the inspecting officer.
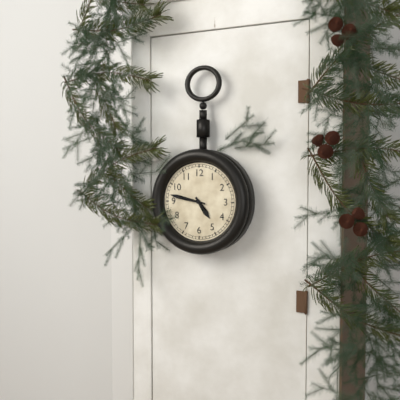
4:47
